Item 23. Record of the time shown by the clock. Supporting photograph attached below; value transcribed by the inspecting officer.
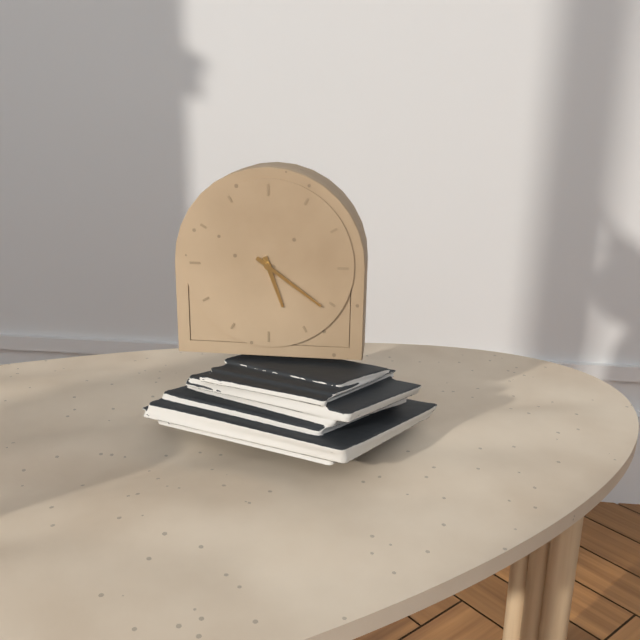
5:21
